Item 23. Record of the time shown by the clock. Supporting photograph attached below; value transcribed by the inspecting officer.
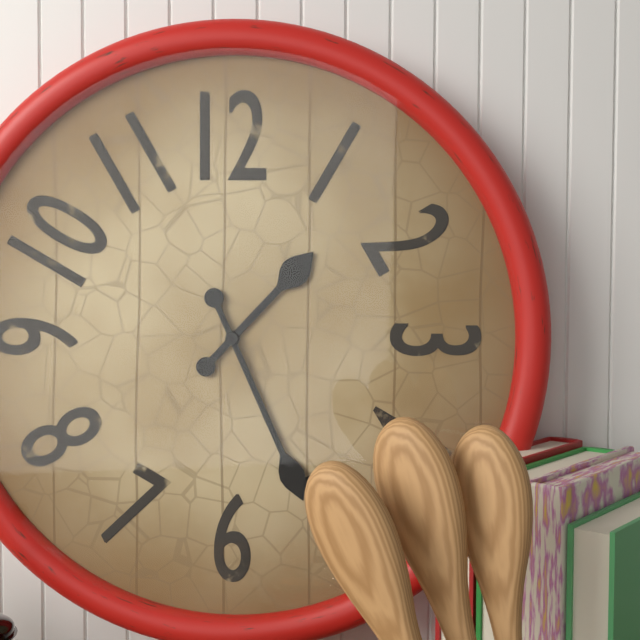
1:26
